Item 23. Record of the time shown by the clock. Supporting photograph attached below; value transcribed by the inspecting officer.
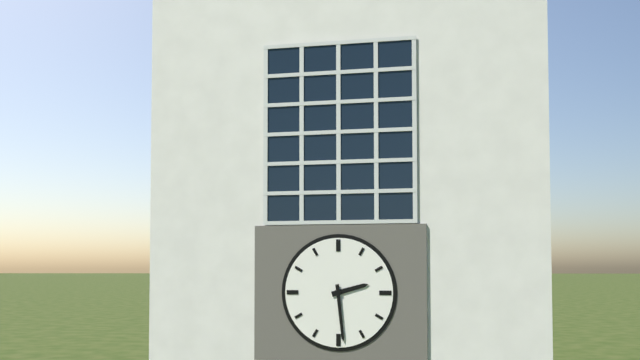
2:29
